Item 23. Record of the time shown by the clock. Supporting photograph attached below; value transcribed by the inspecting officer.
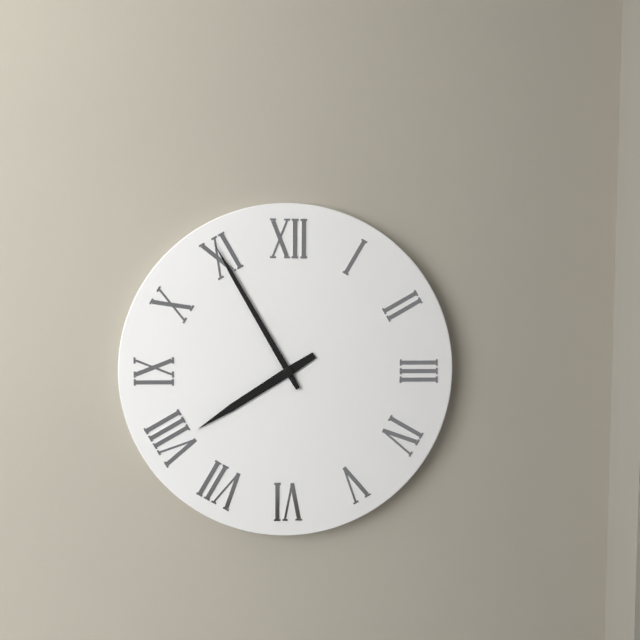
7:55
